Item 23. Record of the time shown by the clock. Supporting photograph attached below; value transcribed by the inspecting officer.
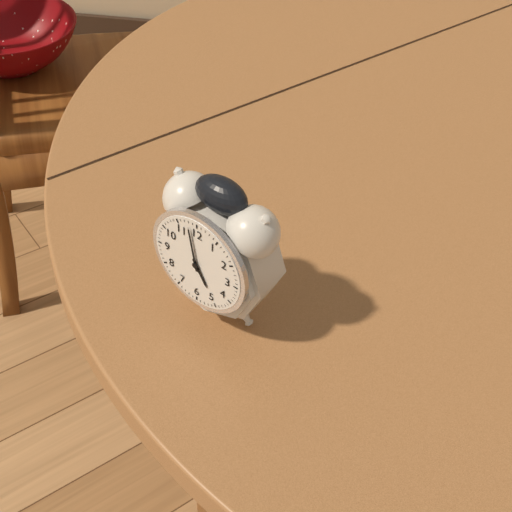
4:58
